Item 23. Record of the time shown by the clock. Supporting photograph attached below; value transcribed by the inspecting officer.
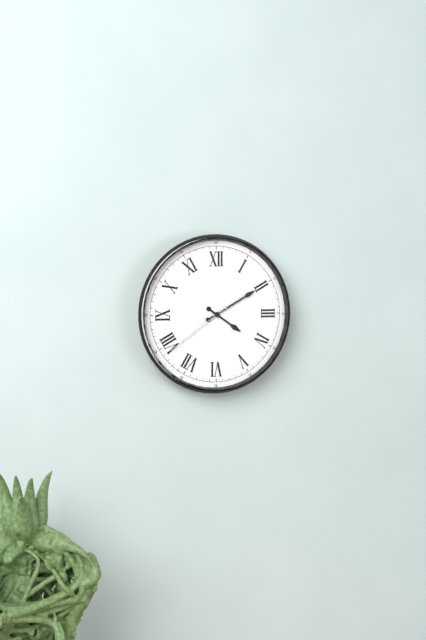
4:10:39
